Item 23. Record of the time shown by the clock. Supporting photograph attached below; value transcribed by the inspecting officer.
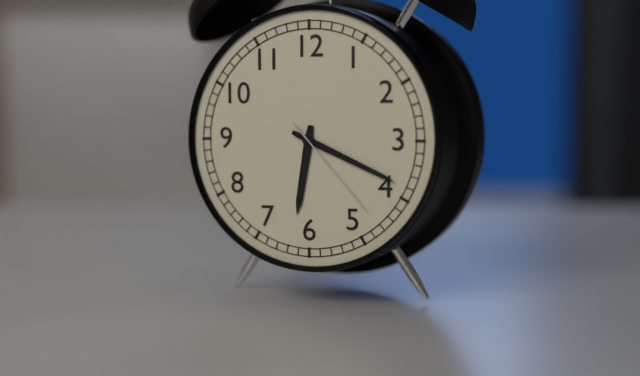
6:19:23
